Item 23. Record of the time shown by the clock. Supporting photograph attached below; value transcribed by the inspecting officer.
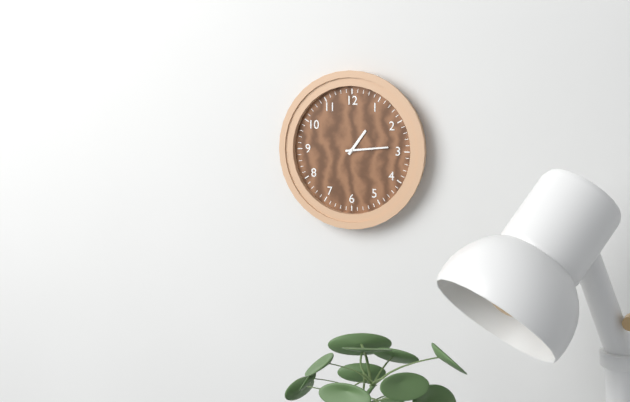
1:14
